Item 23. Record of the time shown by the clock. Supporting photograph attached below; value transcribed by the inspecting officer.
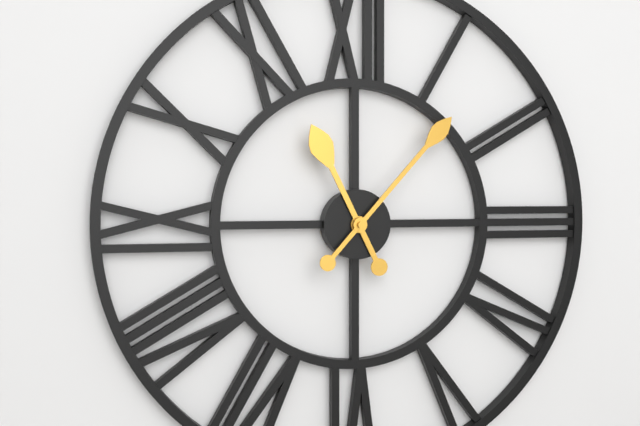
11:07
